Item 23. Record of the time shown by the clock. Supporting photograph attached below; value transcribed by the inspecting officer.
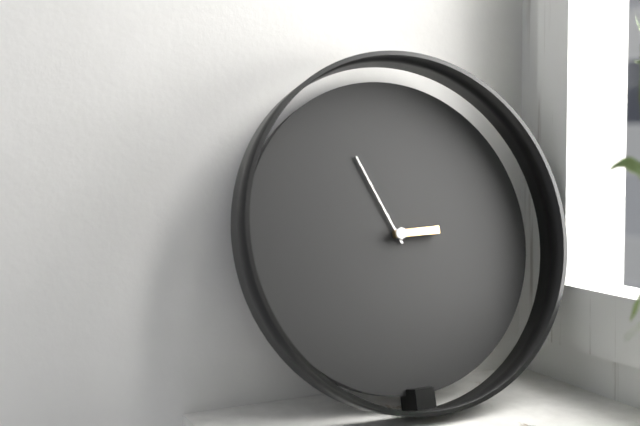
2:56
